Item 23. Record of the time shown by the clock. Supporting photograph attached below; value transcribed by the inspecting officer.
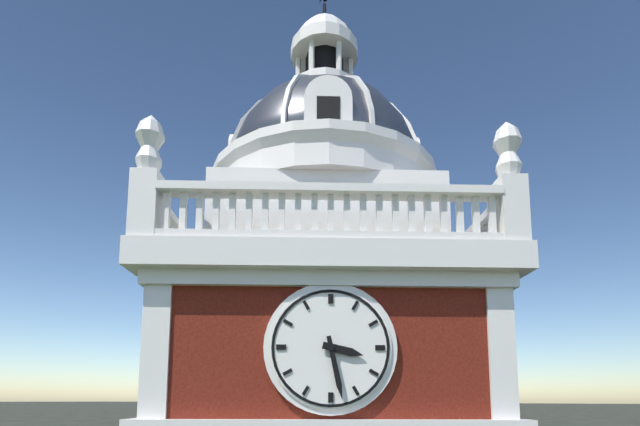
3:28
